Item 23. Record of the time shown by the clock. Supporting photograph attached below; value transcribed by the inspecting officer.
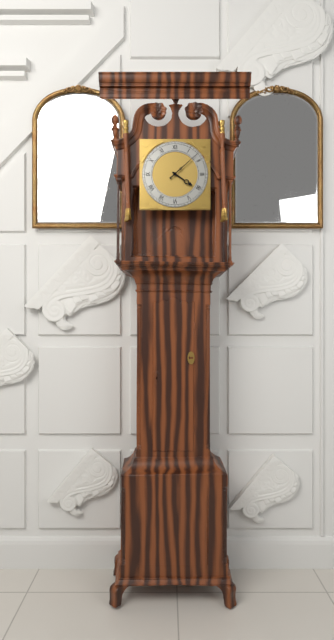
4:08
